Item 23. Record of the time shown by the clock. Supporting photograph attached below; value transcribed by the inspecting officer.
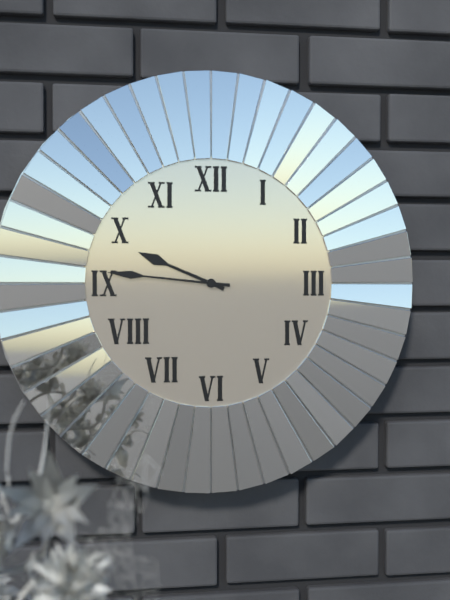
9:46
